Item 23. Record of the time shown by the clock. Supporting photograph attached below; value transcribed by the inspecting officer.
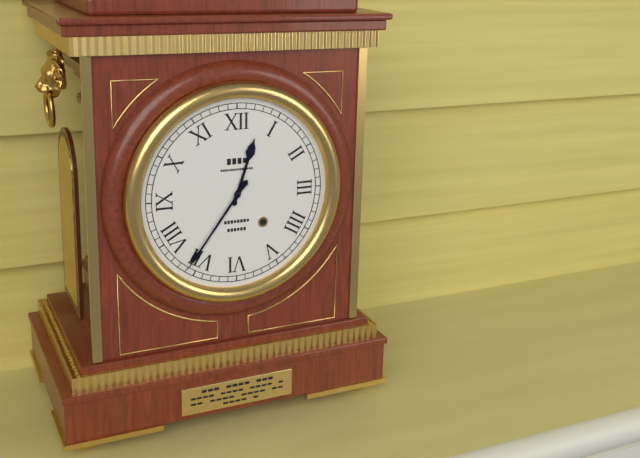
12:36
